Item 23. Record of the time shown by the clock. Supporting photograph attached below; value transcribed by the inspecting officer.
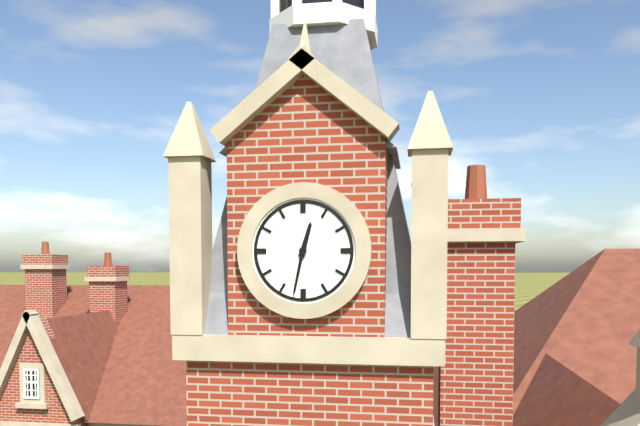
12:32
